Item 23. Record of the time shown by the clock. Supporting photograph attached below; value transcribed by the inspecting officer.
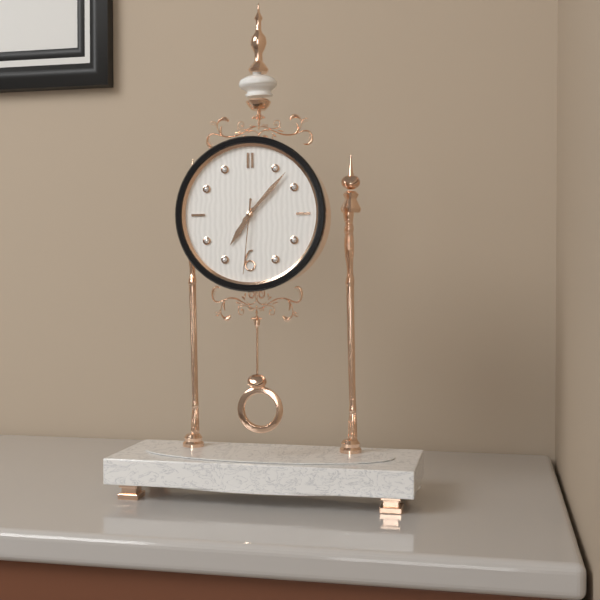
7:07:31
